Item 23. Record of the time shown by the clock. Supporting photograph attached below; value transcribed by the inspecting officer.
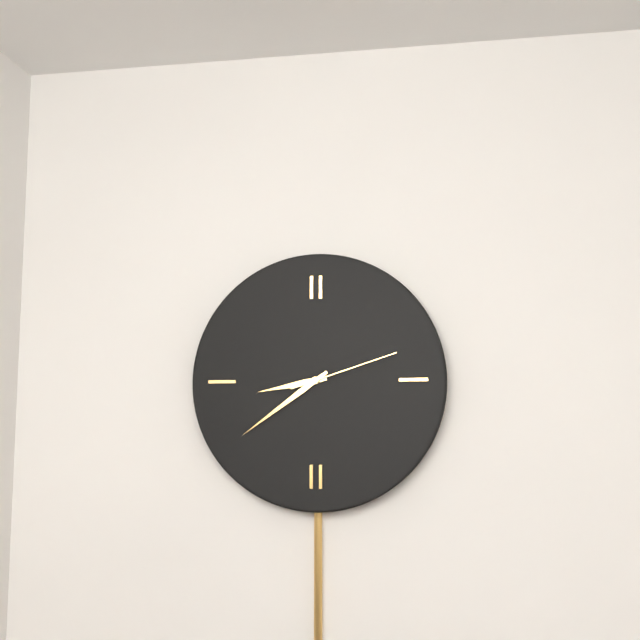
8:39:12
